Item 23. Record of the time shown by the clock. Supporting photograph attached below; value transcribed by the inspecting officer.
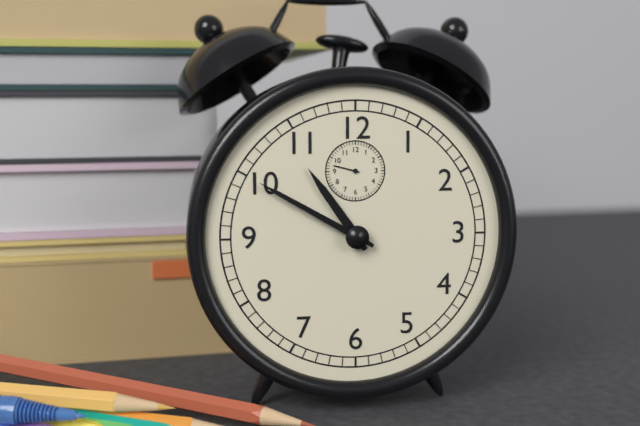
10:50
